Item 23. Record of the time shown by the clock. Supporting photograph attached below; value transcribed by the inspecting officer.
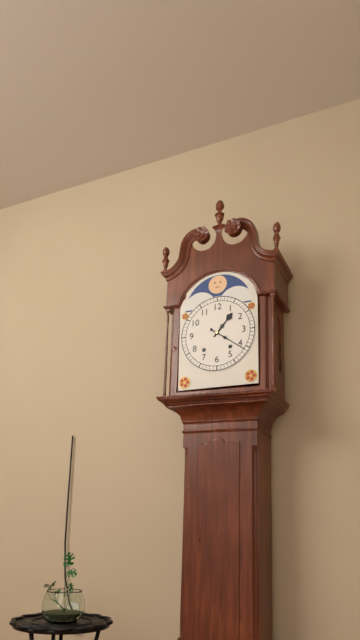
1:21
